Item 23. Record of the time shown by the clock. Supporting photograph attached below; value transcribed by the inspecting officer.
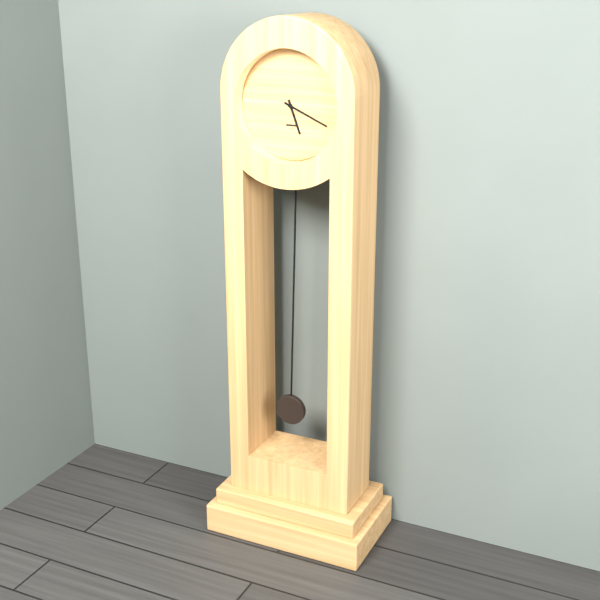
5:19
